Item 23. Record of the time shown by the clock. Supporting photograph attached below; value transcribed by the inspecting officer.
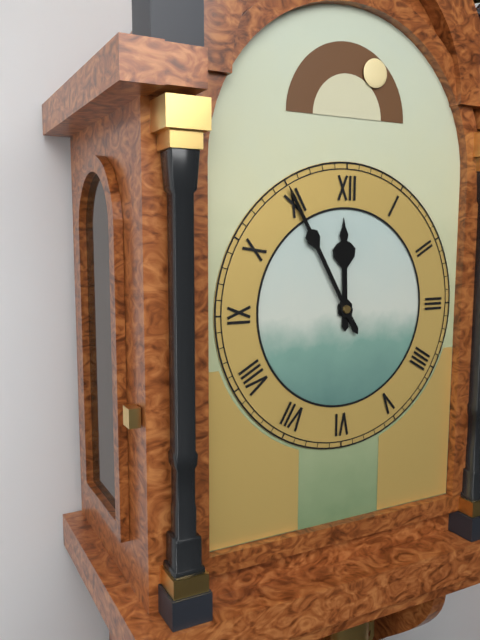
11:55
